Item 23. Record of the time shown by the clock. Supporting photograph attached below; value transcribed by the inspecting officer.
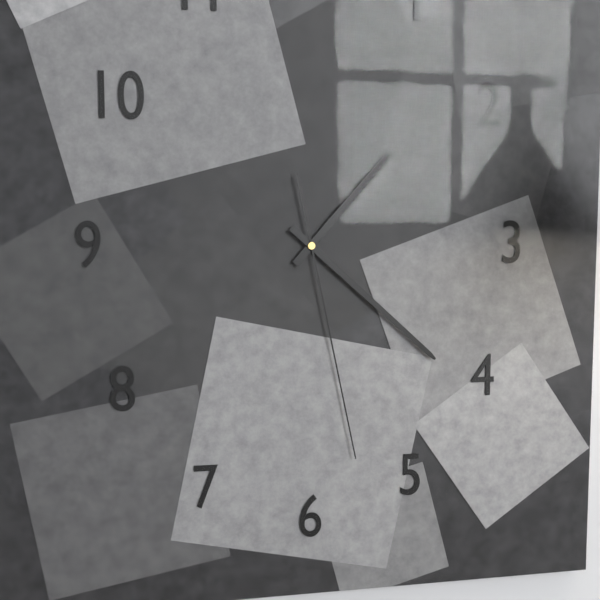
1:22:28
